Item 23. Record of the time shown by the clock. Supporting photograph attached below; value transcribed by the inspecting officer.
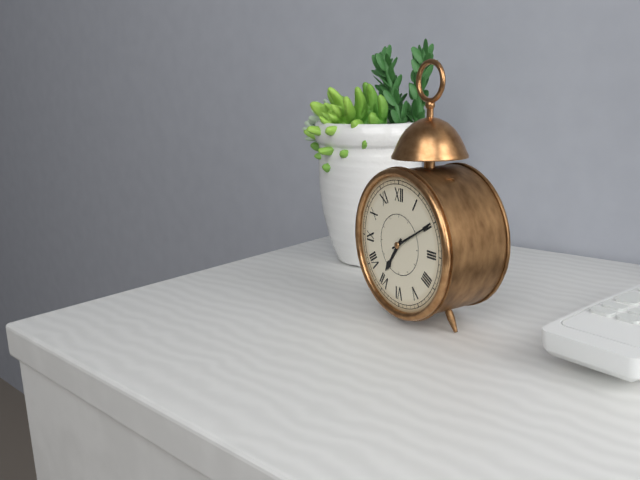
7:10
